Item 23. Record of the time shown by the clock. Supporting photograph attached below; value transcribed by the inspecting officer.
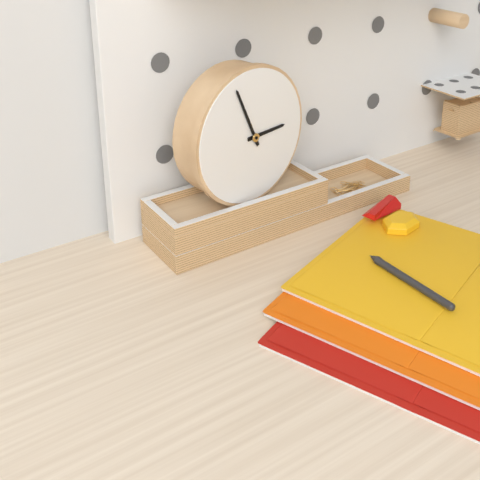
2:56
